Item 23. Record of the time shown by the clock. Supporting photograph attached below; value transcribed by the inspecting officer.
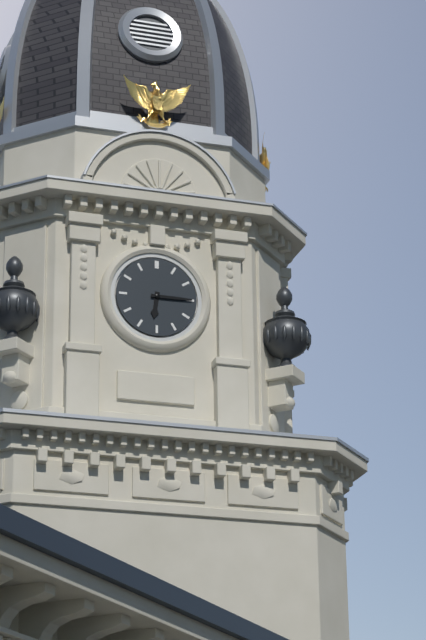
6:15
